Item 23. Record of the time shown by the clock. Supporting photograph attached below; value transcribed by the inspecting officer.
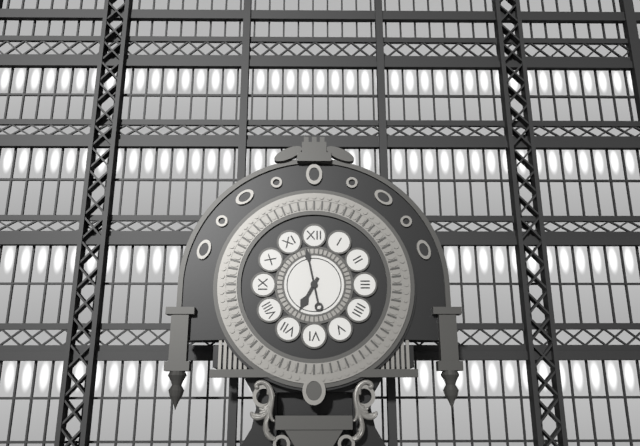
6:58
